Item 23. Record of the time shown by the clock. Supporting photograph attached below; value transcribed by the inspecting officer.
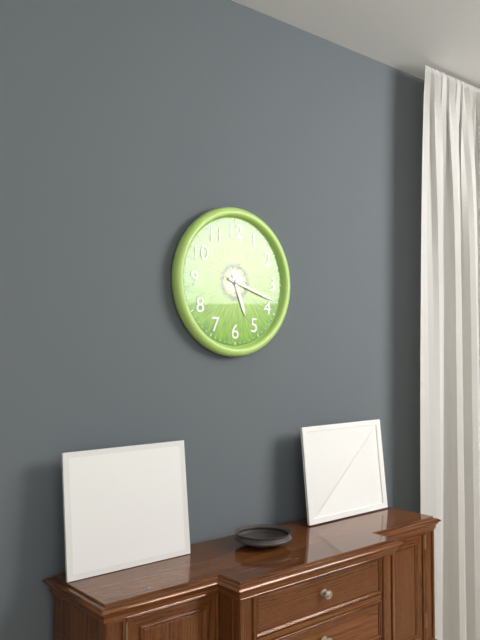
5:18
